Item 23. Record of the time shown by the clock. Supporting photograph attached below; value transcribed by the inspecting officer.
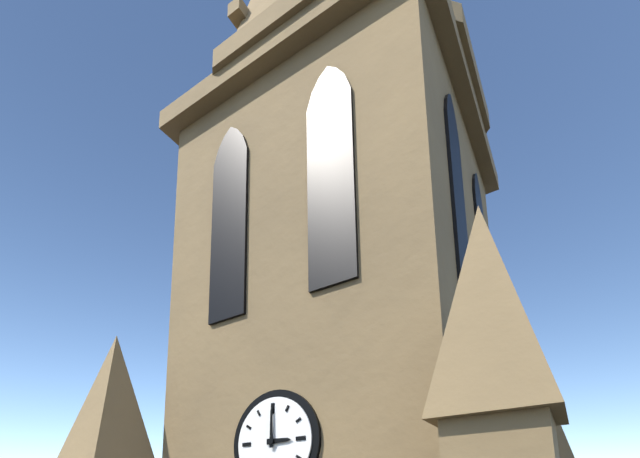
3:00
